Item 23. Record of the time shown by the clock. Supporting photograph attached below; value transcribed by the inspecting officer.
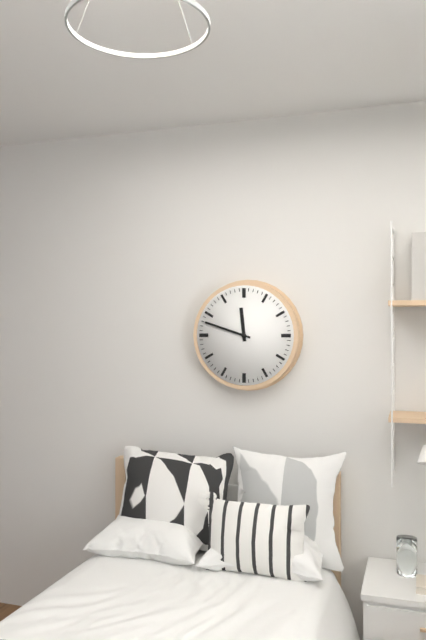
11:48
